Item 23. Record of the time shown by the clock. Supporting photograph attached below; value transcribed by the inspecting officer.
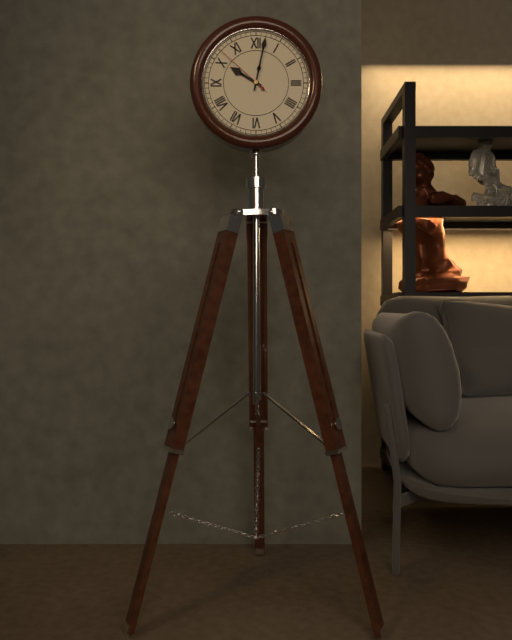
10:02:52
